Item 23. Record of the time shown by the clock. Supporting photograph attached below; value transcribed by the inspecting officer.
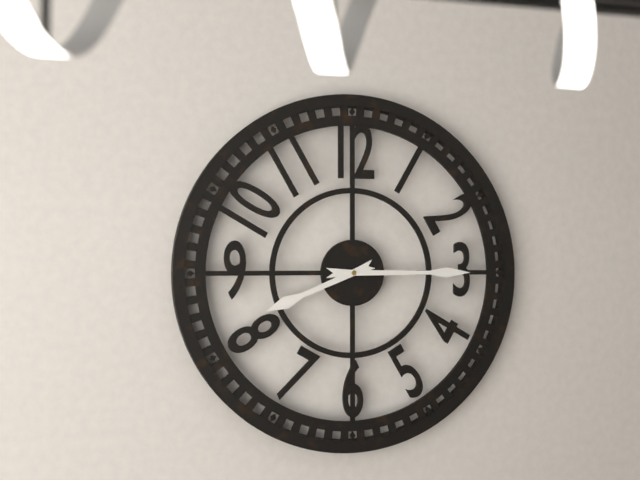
8:15
